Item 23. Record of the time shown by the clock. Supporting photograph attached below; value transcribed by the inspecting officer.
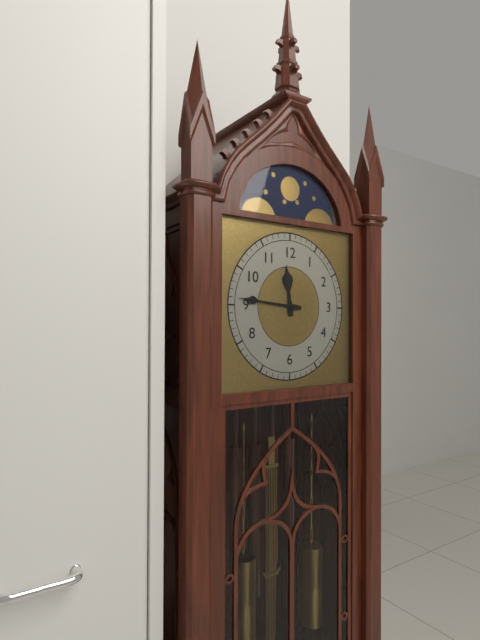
11:46
